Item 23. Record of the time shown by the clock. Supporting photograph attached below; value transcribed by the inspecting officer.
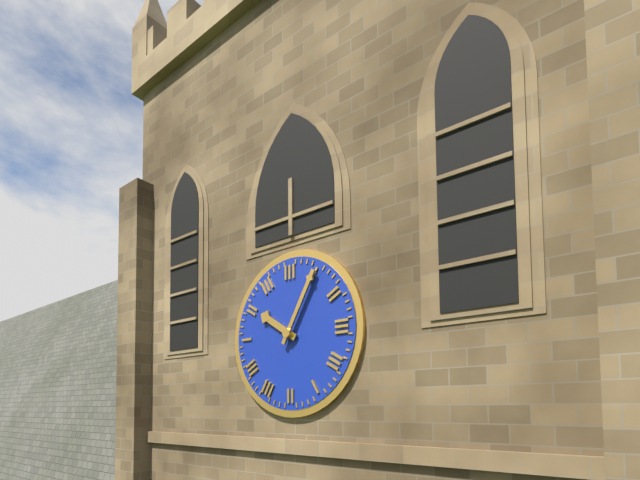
10:05
